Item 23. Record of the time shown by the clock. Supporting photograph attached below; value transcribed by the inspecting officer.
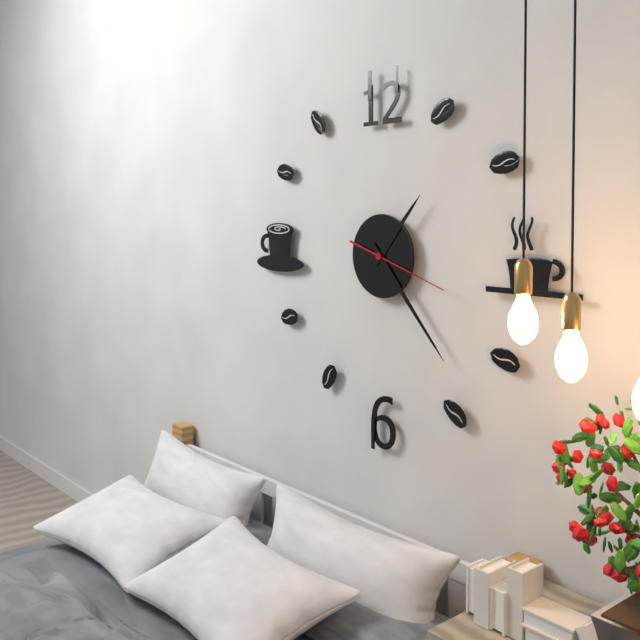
1:23:18
